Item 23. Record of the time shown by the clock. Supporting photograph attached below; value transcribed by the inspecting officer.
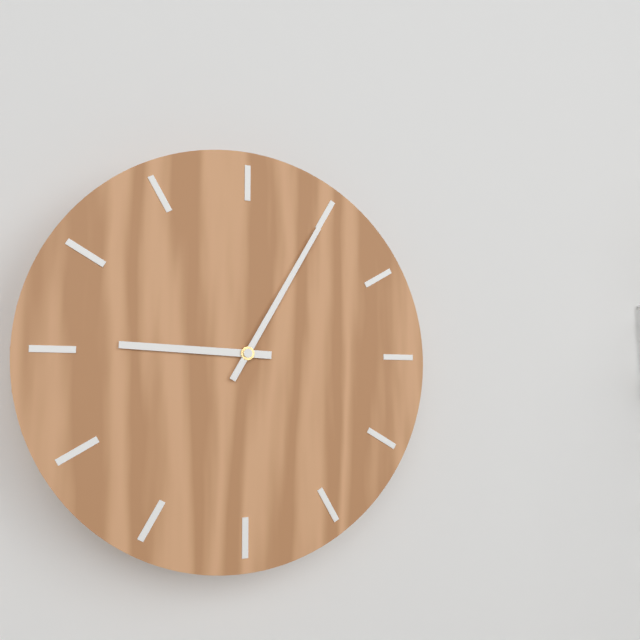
9:05
